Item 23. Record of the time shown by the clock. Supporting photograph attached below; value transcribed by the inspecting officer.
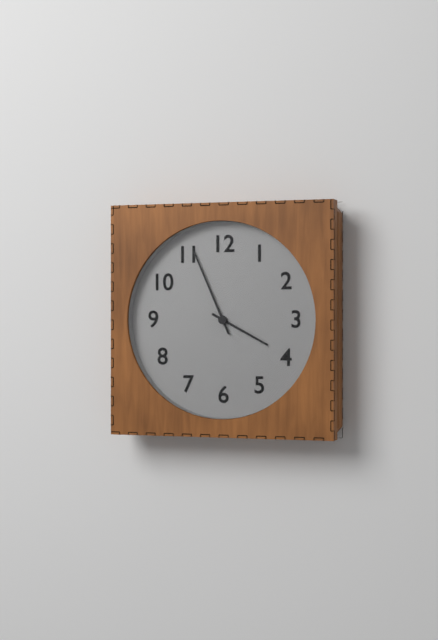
3:56
